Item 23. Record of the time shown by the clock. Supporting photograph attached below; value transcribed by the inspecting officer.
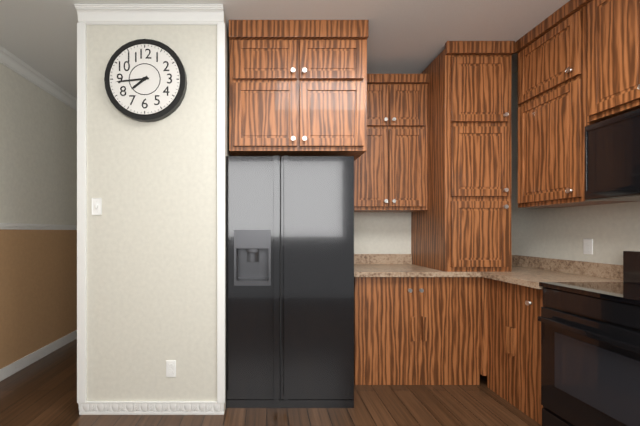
7:44
